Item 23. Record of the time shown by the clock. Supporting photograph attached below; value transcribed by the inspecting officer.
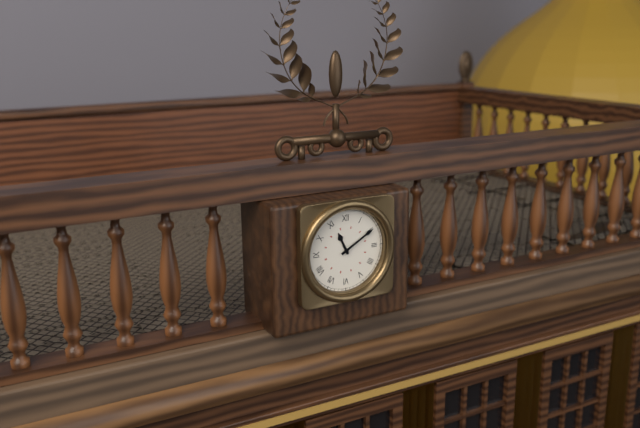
11:10
